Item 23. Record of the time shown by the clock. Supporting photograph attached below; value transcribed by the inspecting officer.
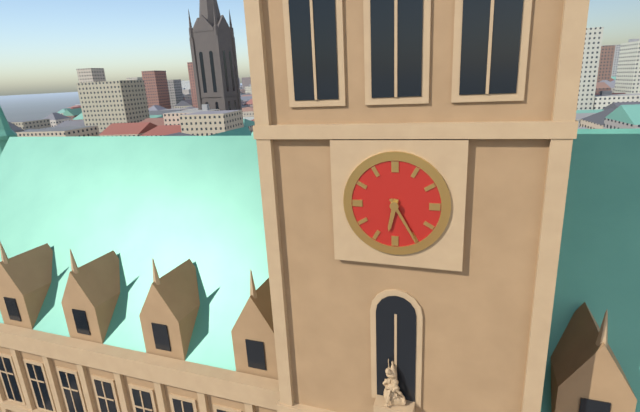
6:25
